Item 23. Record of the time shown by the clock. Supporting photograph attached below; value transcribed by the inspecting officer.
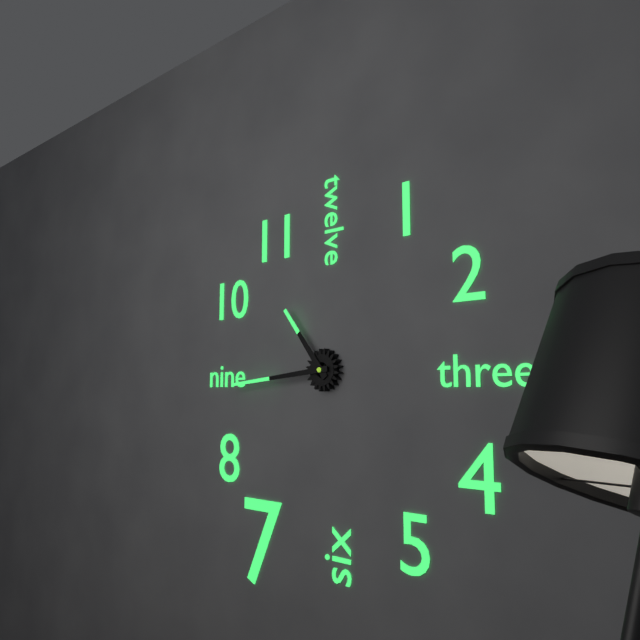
10:44
